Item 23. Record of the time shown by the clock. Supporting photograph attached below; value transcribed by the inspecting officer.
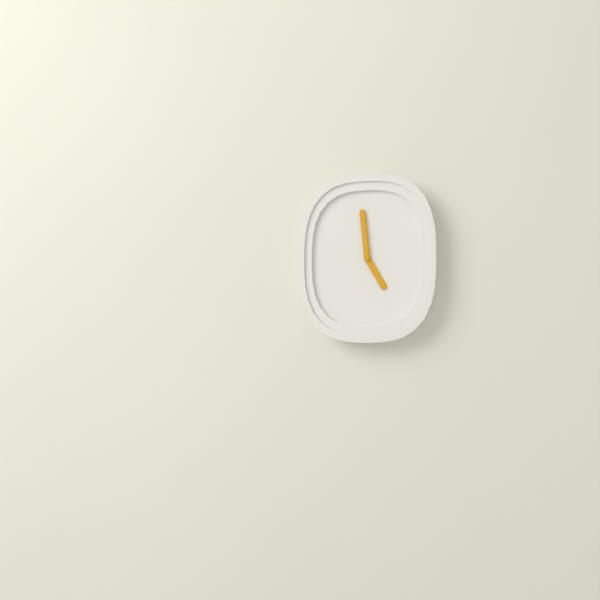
4:59
